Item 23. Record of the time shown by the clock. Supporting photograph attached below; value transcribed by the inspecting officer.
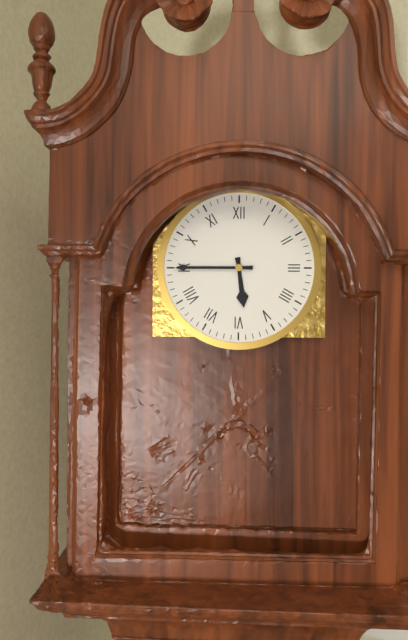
5:45
